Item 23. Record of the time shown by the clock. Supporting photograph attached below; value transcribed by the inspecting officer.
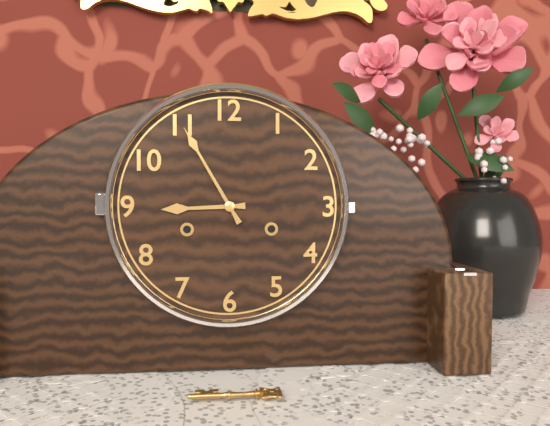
8:55
